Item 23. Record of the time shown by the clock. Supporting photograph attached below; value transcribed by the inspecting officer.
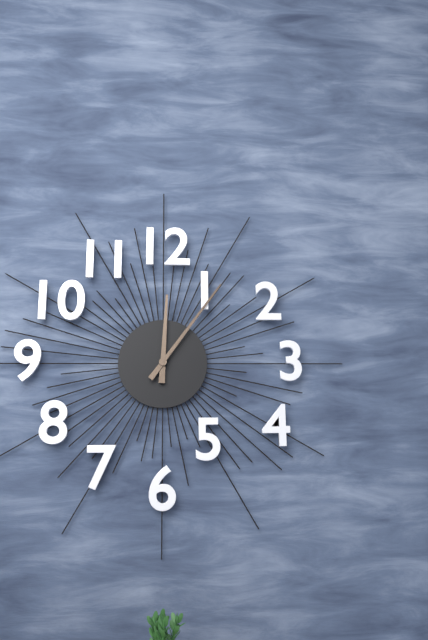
12:06
